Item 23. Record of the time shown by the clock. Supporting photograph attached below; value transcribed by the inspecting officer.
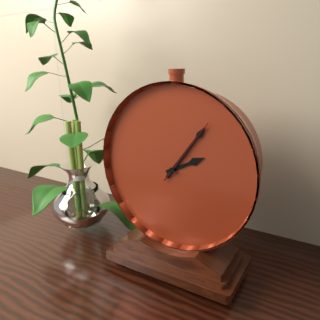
2:06:06
